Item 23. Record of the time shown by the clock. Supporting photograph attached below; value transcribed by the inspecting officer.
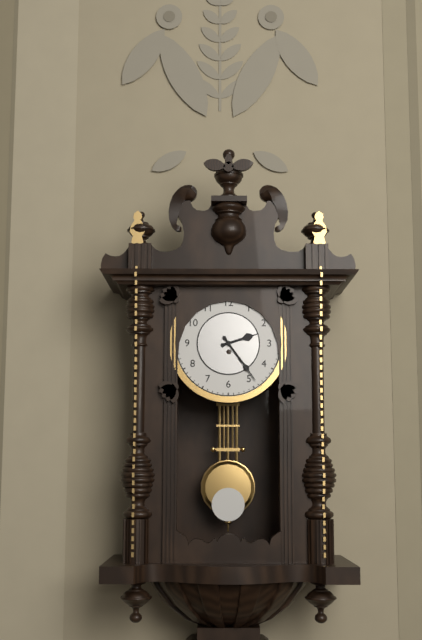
2:24
